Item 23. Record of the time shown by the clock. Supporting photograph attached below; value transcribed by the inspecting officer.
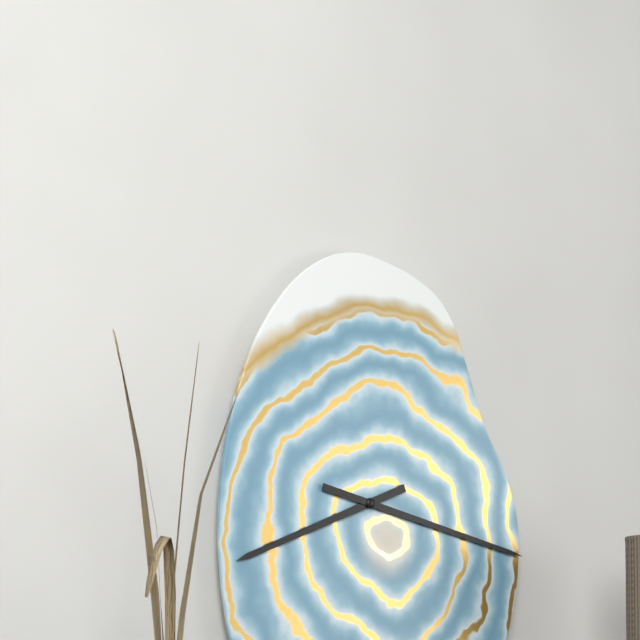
8:17
